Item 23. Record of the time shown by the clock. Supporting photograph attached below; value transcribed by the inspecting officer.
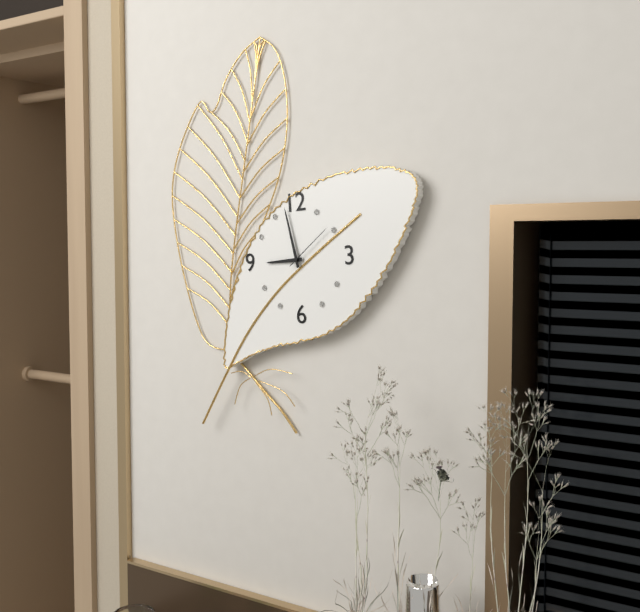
8:58:09
